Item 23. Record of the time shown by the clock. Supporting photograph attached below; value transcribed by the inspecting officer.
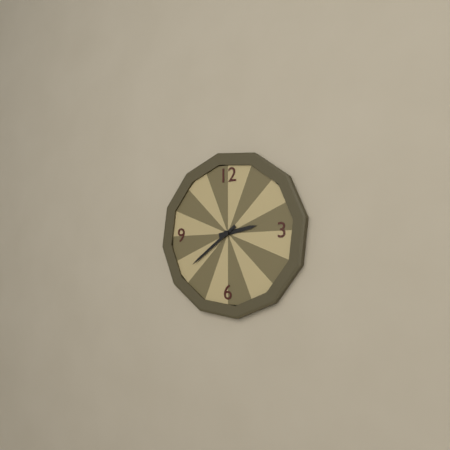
2:39
